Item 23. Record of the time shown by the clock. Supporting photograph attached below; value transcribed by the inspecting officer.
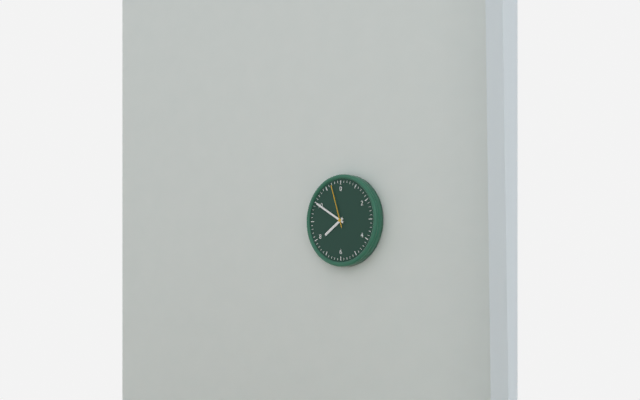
7:50
